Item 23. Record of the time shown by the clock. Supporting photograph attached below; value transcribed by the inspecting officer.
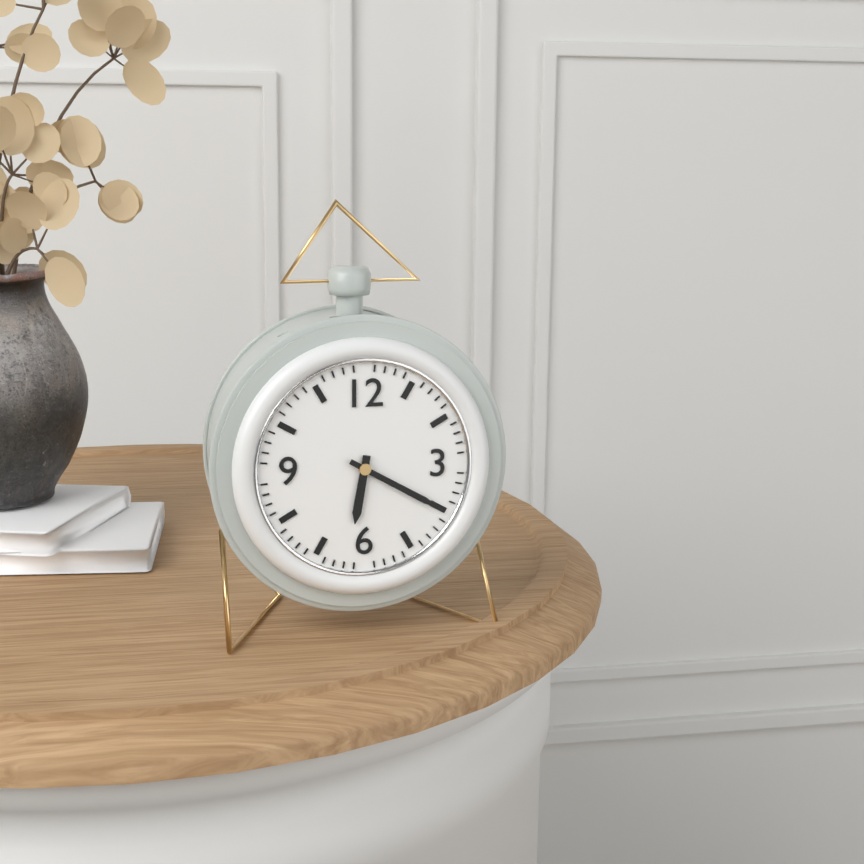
6:20
